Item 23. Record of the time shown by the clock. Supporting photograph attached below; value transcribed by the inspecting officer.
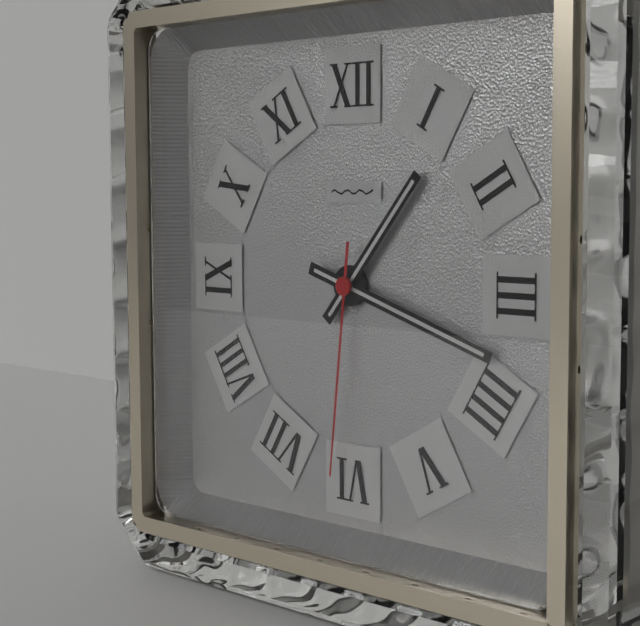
1:18:31
